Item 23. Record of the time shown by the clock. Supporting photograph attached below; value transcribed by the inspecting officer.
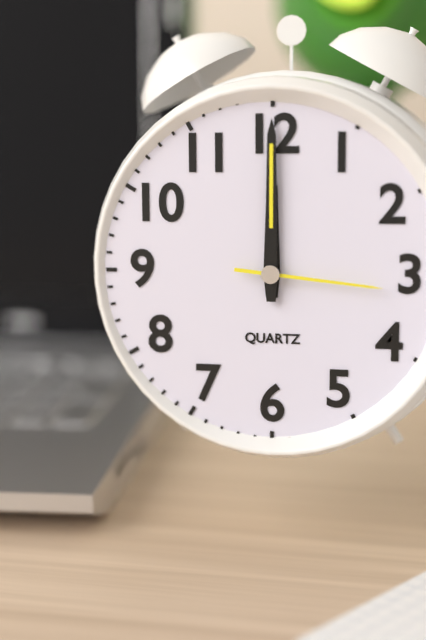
12:00:16
